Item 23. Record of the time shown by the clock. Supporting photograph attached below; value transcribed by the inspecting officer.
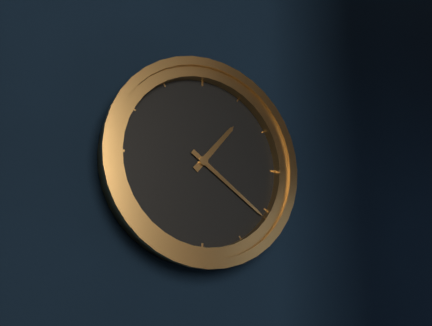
1:21
